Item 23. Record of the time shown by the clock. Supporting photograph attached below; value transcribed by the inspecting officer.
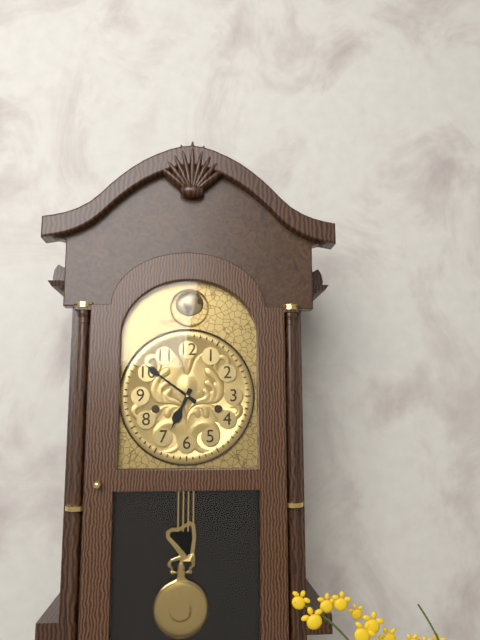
6:51
